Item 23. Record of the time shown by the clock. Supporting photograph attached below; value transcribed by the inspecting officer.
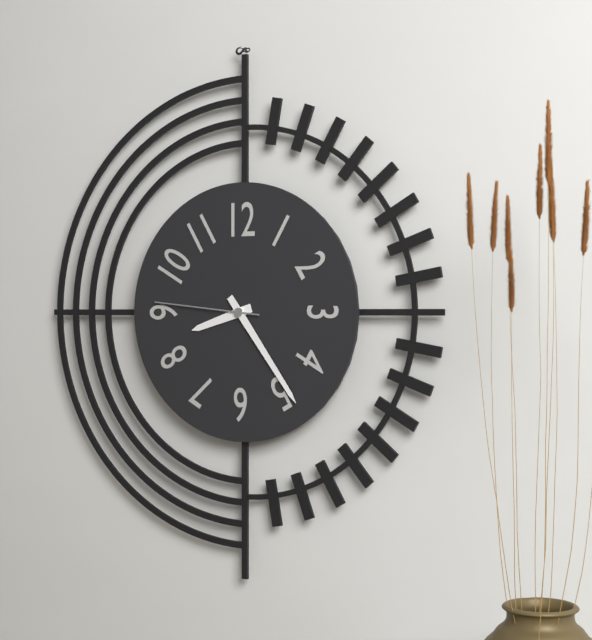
8:24:46
